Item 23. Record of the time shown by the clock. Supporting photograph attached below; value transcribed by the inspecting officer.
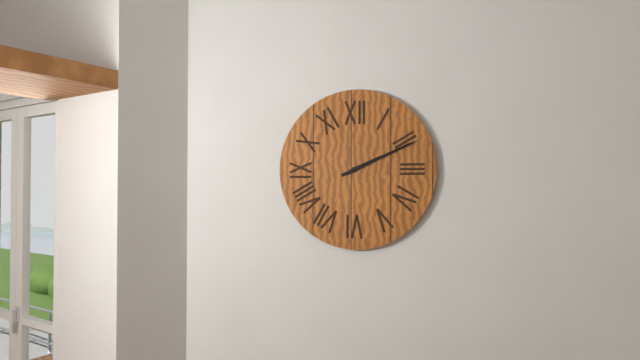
2:11
